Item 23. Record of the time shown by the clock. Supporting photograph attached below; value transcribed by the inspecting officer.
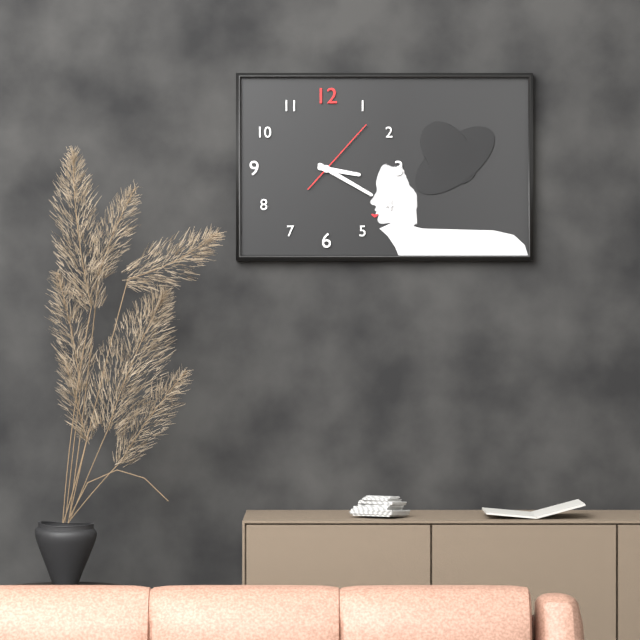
3:20:07
